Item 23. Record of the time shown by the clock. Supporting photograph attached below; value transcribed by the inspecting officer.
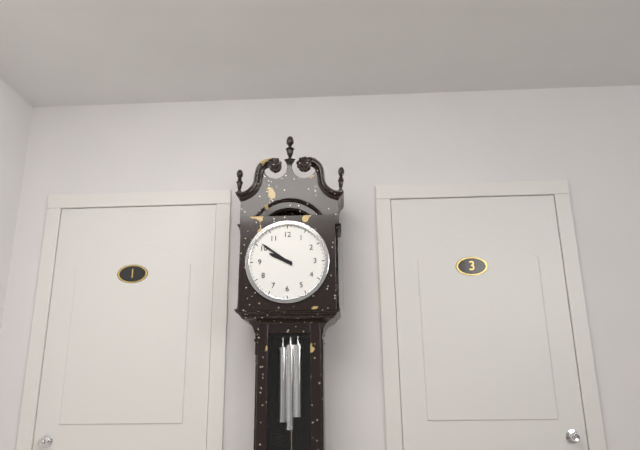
9:51
